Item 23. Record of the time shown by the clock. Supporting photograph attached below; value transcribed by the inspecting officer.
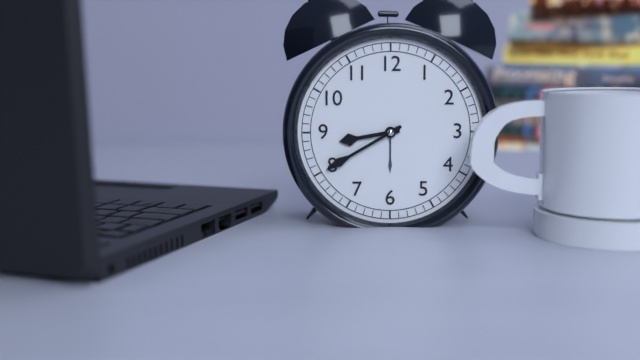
8:40
